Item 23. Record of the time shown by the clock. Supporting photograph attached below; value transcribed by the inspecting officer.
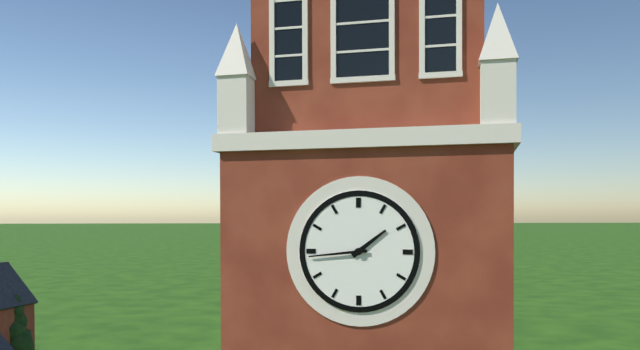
1:44
